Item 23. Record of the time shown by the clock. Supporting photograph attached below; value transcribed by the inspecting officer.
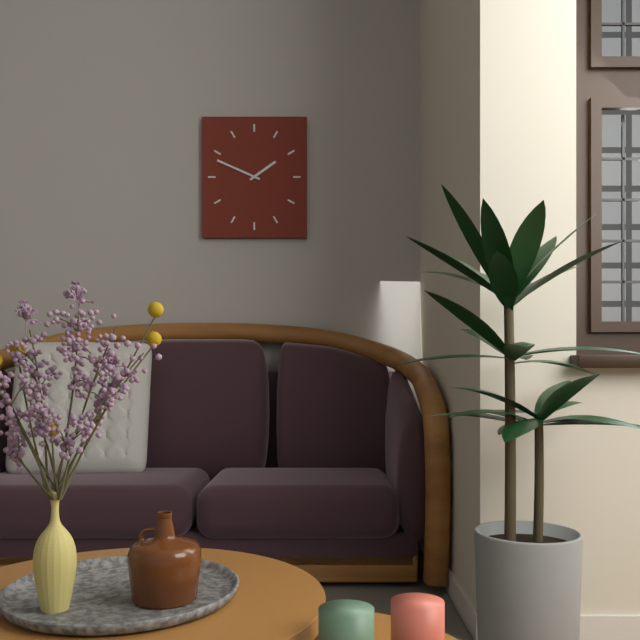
1:49
